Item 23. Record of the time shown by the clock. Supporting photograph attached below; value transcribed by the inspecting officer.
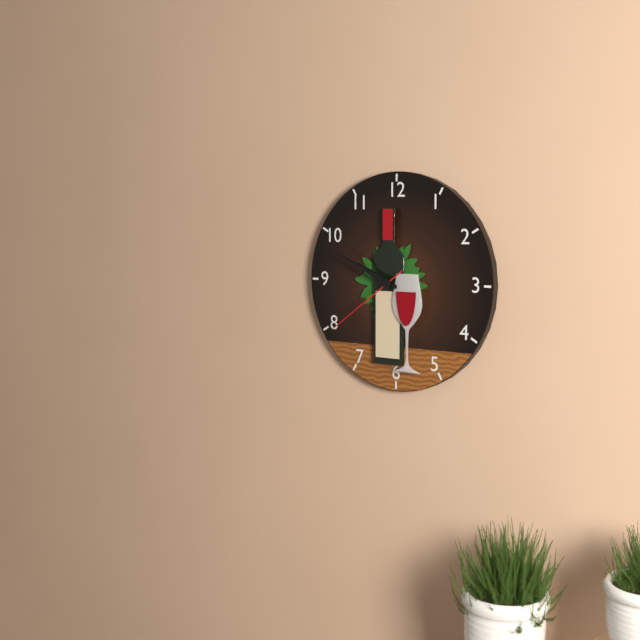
9:49:39
